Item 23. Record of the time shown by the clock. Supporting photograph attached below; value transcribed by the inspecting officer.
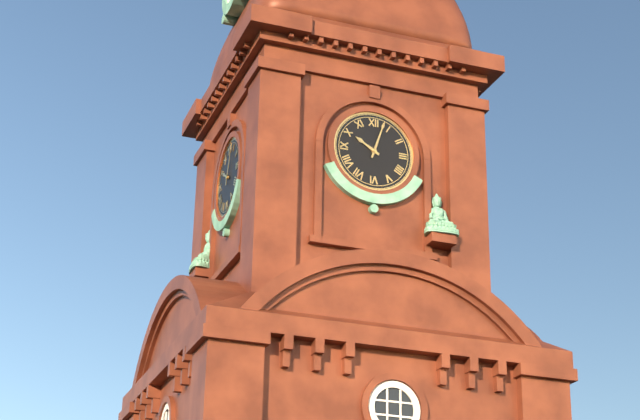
10:03
